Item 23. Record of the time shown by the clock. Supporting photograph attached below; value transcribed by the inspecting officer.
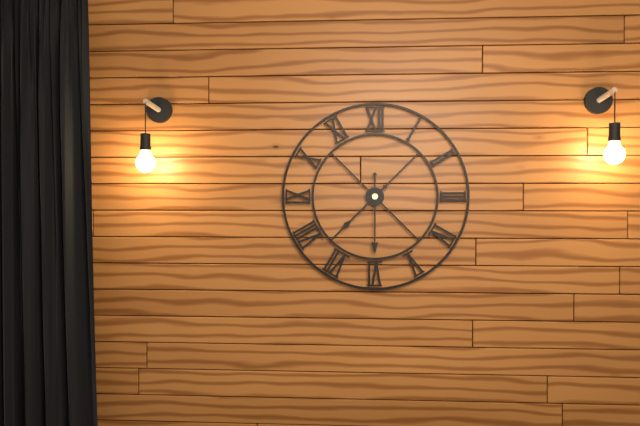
7:30
